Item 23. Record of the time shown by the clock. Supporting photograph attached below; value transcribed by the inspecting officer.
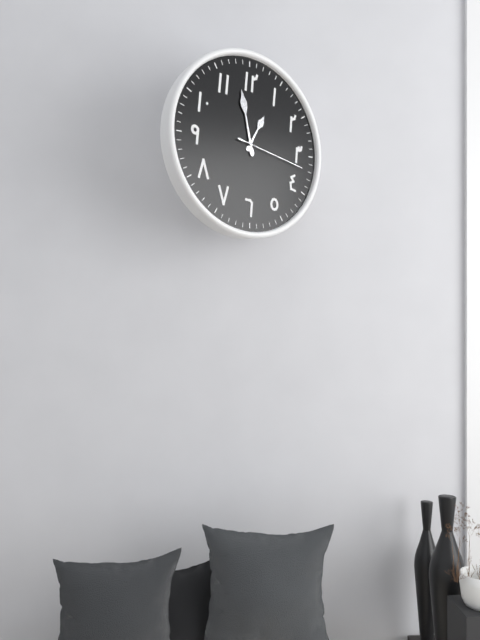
12:58:17
